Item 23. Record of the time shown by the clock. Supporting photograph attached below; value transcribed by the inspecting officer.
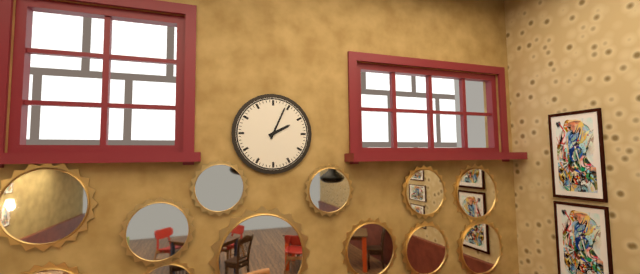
2:04
